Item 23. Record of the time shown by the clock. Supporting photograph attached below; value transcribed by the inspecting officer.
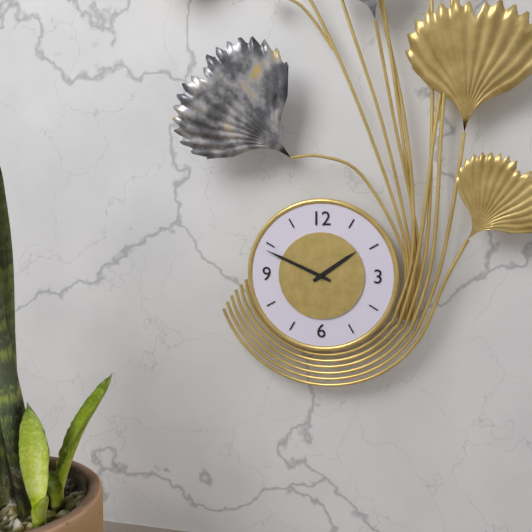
1:49
